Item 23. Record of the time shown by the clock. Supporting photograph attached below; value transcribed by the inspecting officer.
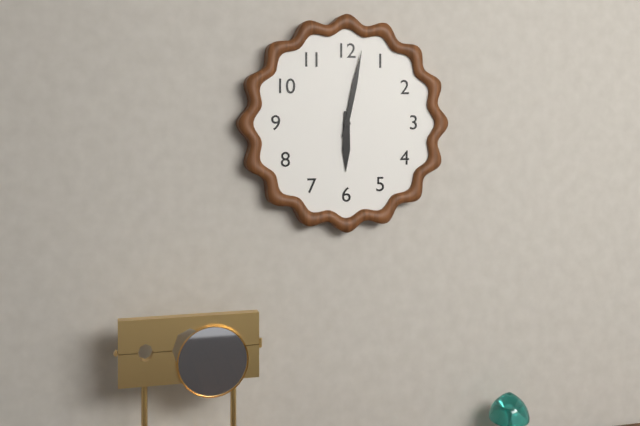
6:02
